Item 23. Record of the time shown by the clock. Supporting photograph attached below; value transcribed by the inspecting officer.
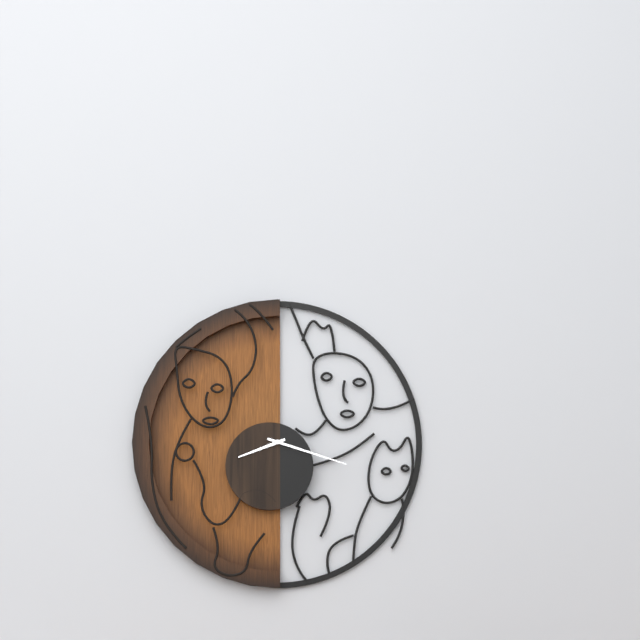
8:18
